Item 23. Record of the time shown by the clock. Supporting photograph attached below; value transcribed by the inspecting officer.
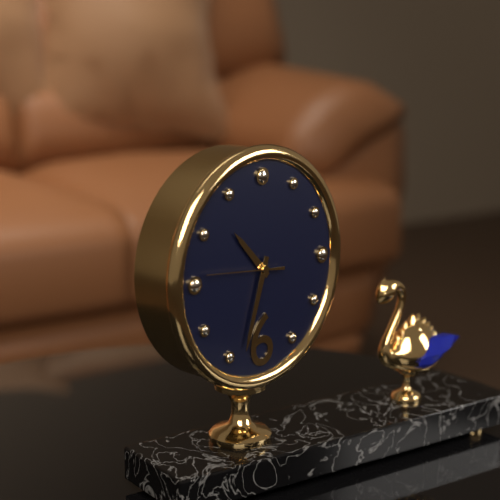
10:33:46
